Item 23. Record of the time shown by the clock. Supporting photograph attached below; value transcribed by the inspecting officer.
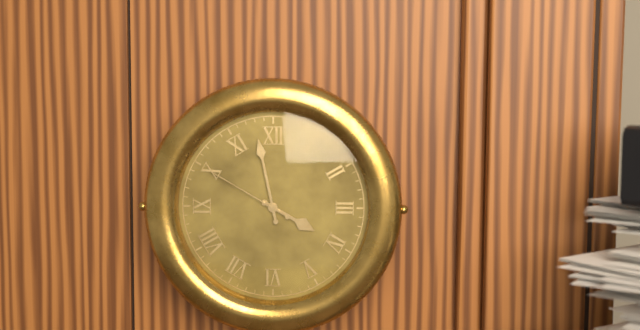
3:58:50
